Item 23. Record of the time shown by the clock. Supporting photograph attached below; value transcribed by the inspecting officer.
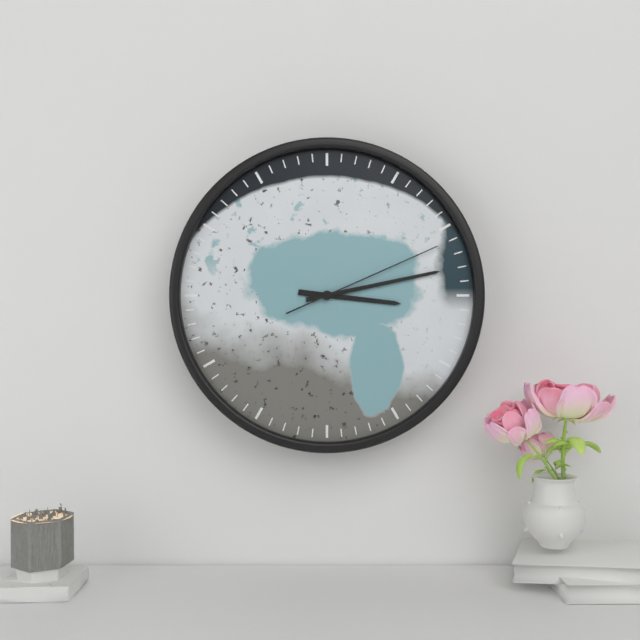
3:13:11
